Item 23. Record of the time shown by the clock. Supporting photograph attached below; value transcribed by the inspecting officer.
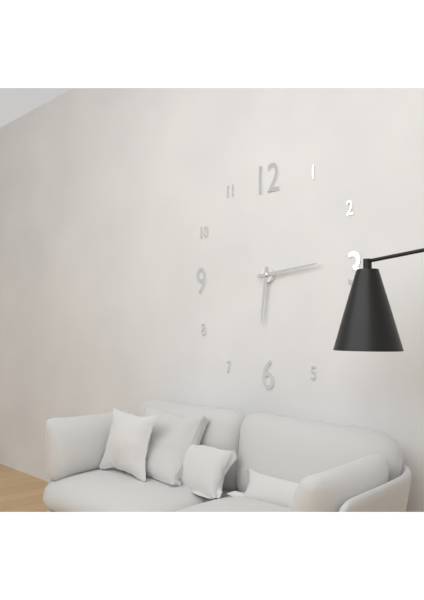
6:14
